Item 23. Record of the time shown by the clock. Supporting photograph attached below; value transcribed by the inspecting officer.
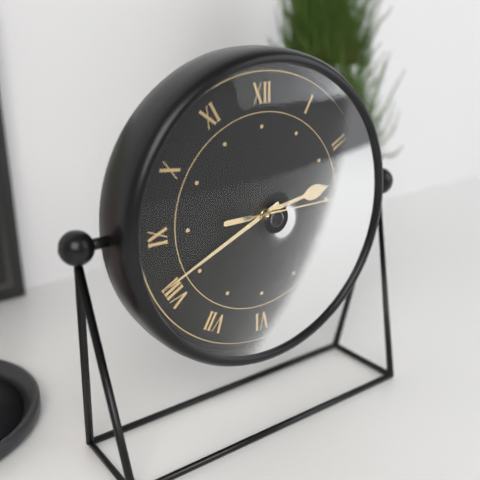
2:41:15
